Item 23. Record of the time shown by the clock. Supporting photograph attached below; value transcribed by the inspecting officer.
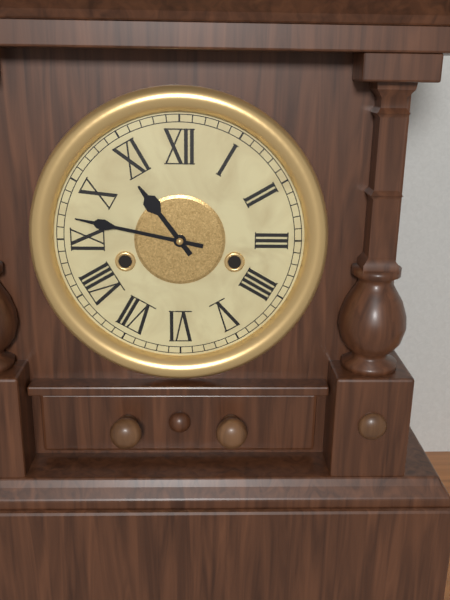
10:47
